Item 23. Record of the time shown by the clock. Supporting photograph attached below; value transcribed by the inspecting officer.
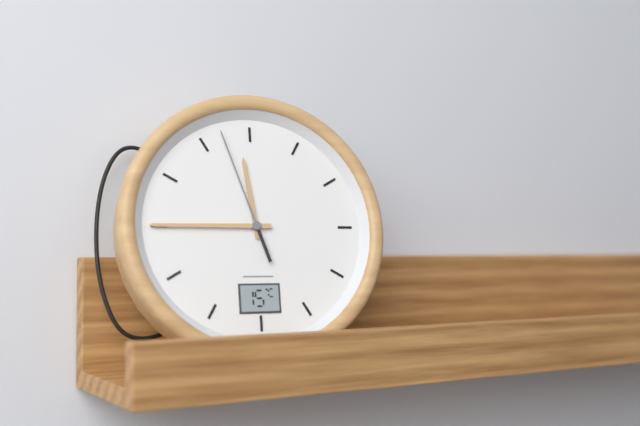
11:45:57
